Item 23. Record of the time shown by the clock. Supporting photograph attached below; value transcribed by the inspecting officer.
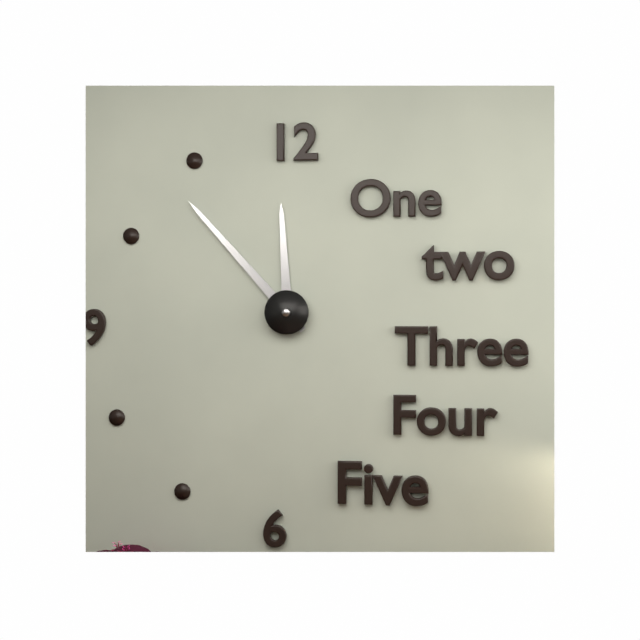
11:53
